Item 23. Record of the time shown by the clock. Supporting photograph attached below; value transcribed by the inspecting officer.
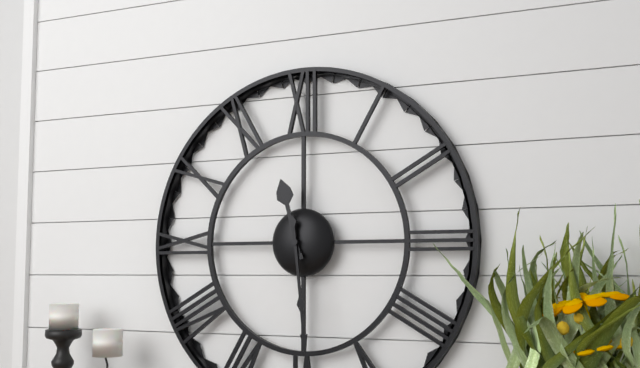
11:29
